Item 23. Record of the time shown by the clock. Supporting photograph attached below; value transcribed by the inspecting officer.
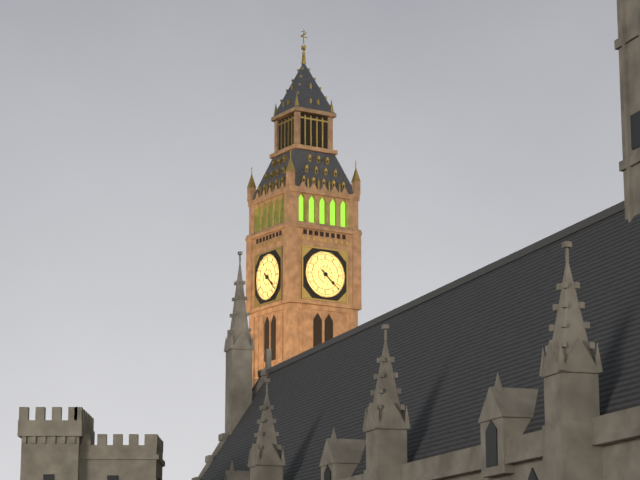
4:22
